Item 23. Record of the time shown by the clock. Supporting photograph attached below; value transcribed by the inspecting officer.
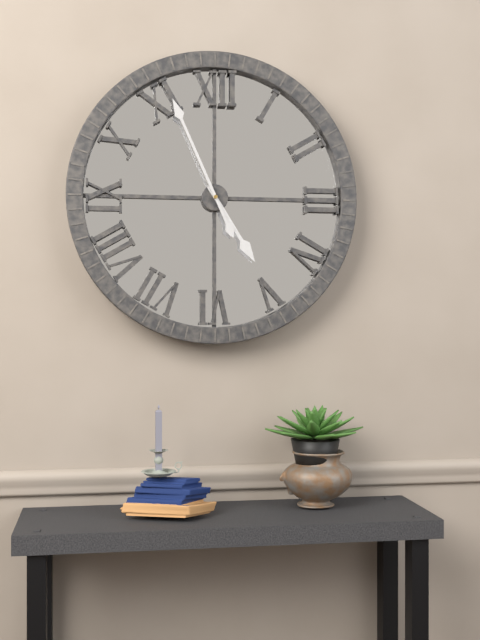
4:56
